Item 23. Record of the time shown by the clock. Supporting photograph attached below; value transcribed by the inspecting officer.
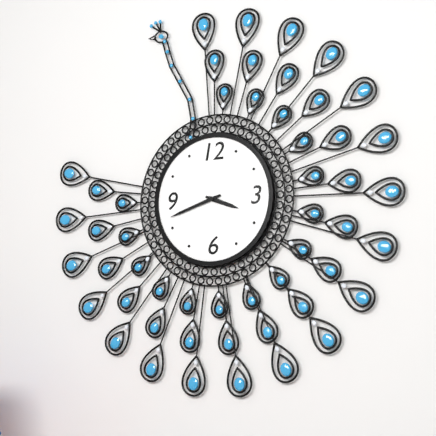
3:42
